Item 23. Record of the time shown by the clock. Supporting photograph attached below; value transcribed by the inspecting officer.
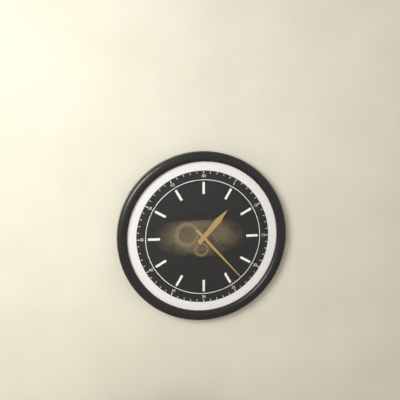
1:23
